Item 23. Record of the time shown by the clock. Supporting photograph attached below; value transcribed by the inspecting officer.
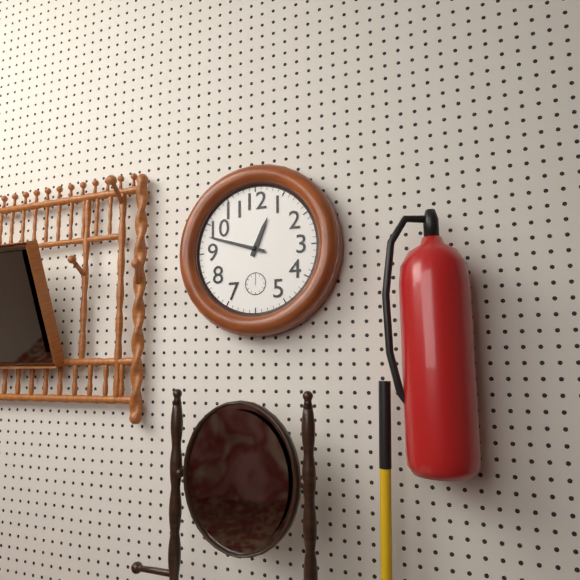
12:48
